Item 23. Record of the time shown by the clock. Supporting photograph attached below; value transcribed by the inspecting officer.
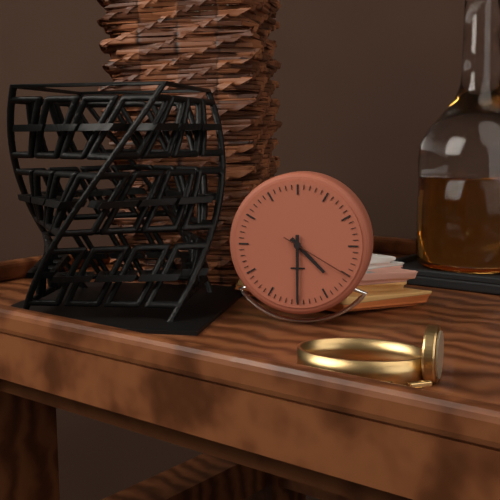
4:30:20
